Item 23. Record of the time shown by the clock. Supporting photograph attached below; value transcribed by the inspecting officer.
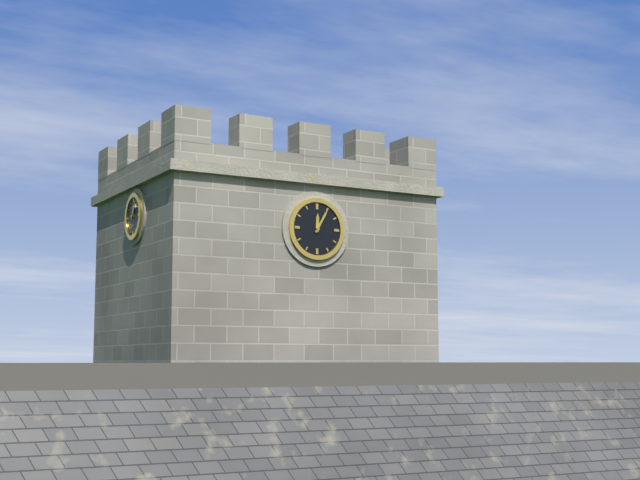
12:05
